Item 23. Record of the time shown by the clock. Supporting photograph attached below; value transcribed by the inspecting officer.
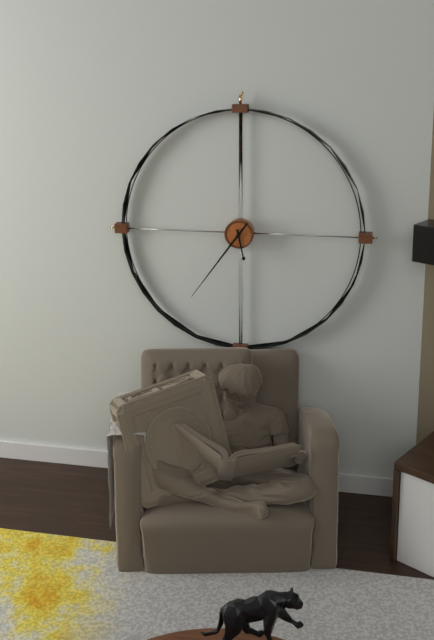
5:36
